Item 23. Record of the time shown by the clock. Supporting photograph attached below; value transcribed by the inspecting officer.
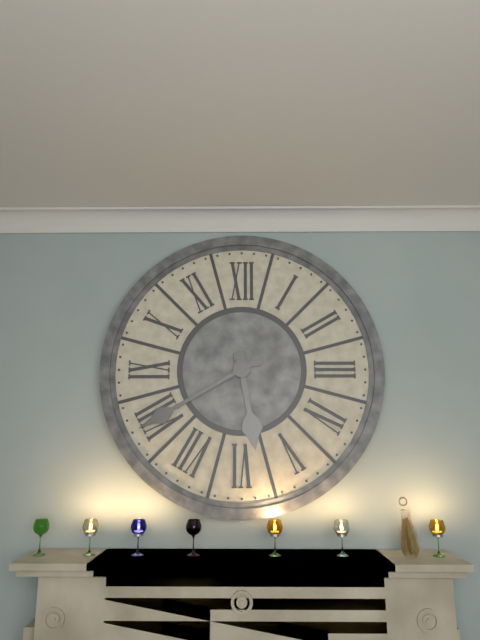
5:40
